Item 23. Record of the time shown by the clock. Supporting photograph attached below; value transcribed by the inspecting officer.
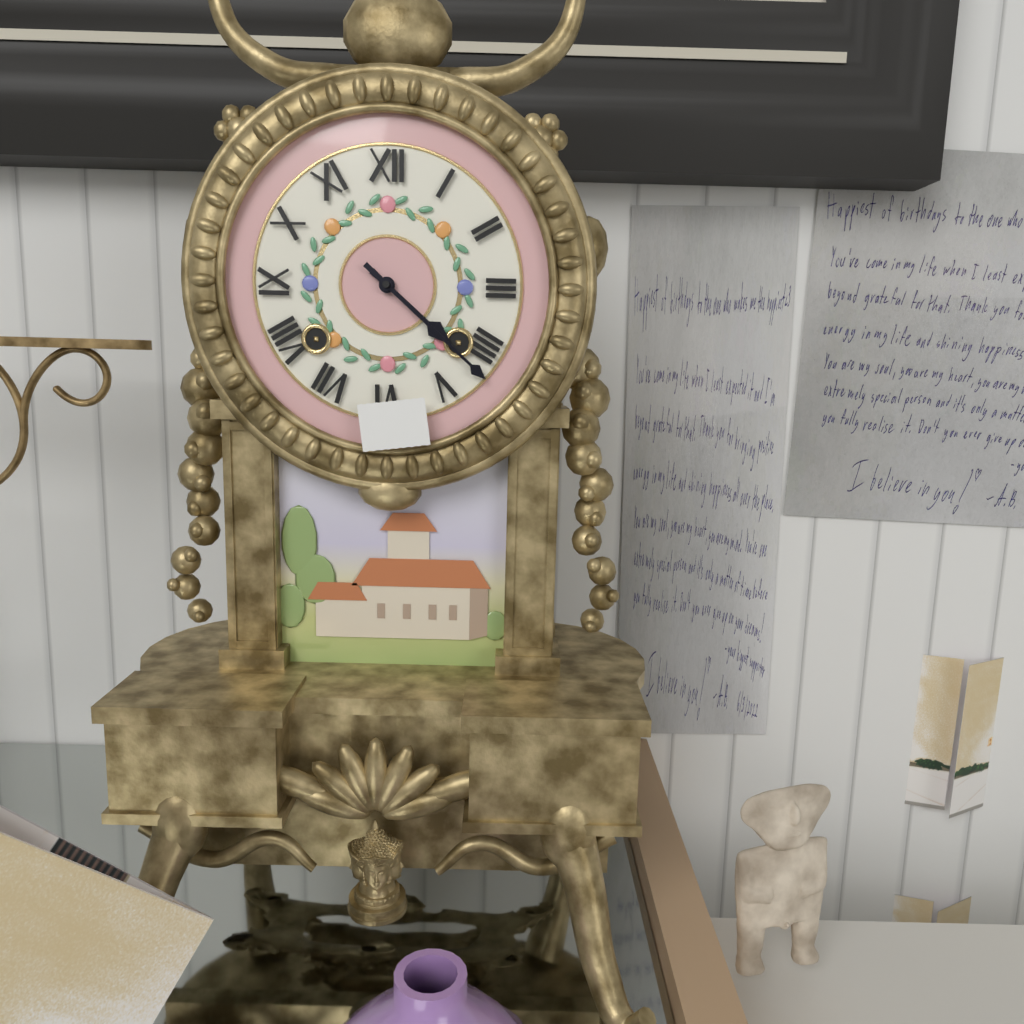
4:22
